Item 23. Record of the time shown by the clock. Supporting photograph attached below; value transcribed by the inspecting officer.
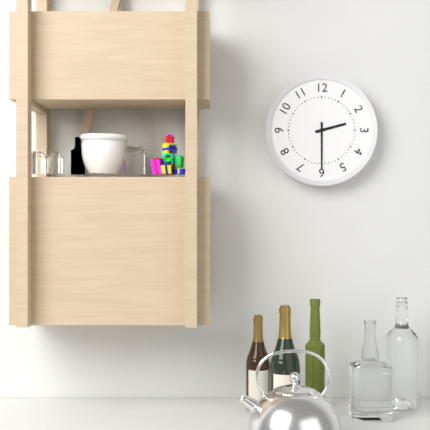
2:30
